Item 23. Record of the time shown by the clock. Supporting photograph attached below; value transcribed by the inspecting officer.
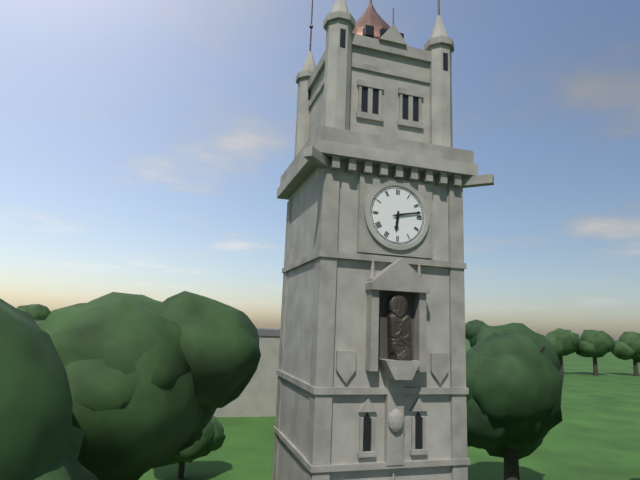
6:13
